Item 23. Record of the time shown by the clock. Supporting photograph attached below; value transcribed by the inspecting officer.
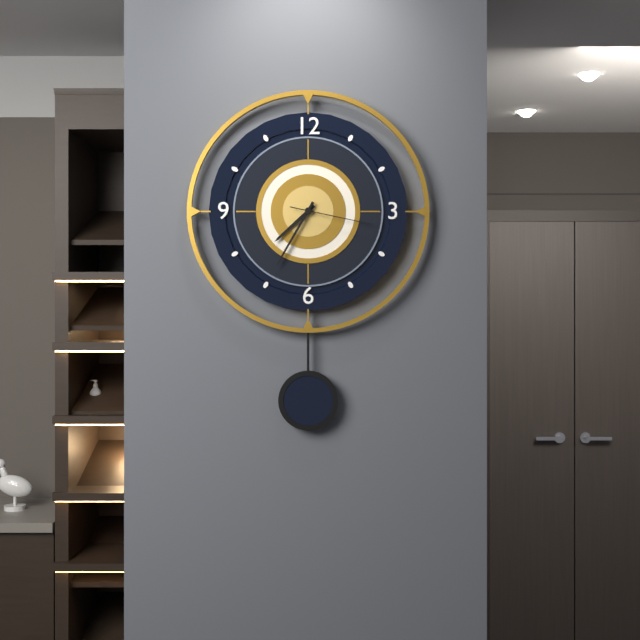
7:35:17
